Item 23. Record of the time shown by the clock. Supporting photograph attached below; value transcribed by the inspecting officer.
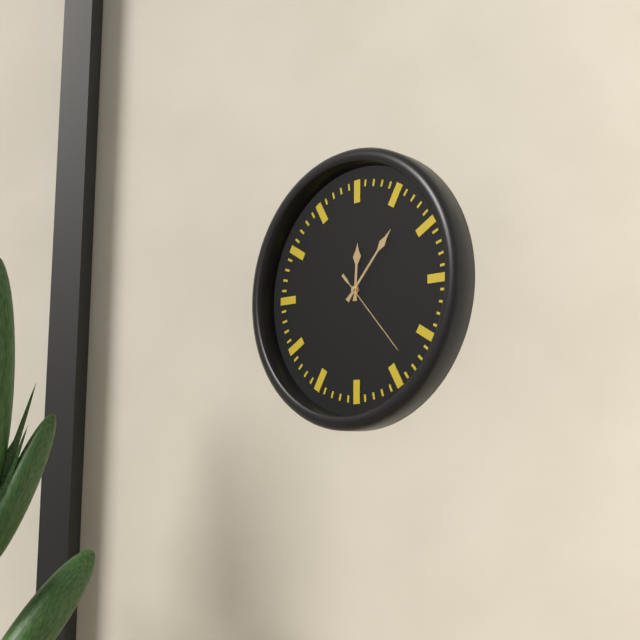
12:07:23
